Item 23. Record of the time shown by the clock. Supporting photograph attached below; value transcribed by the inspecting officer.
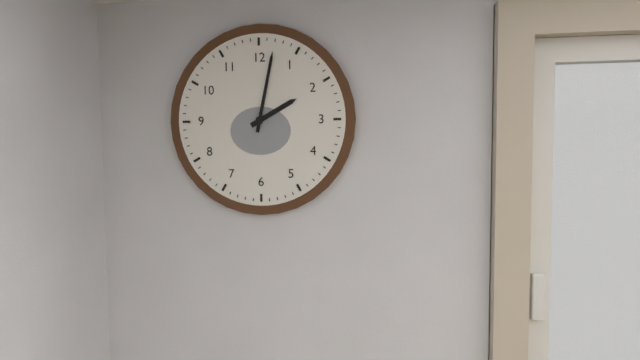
2:02
